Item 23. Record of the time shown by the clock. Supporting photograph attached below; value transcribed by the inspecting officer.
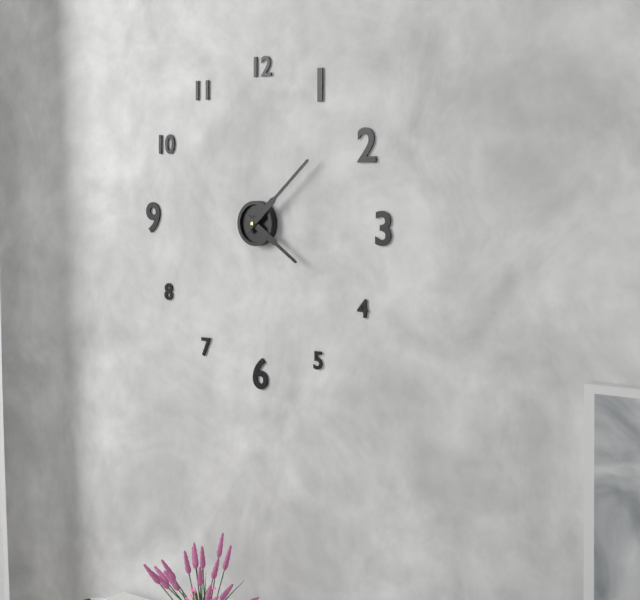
4:08
